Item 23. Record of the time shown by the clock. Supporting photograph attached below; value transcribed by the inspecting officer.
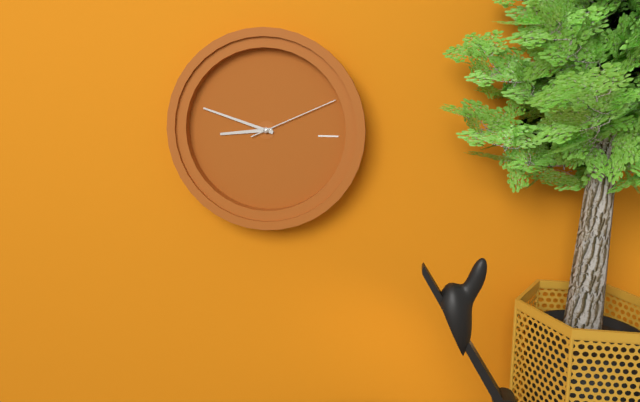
8:48:11
